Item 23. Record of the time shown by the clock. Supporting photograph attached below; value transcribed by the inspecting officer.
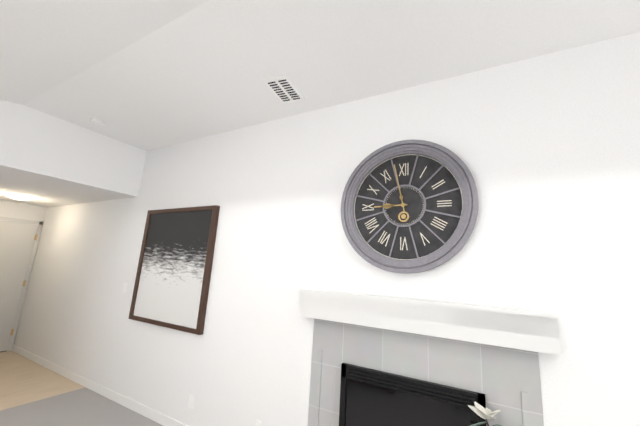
8:58
